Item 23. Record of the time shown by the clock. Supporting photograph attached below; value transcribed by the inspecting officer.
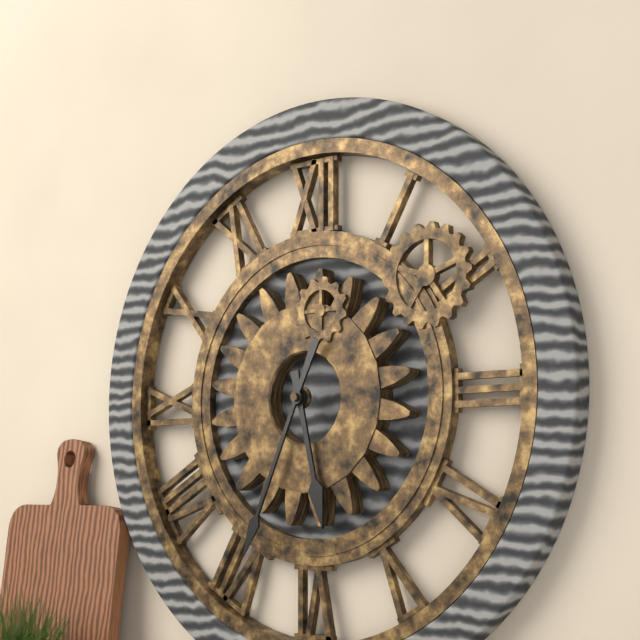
5:34
